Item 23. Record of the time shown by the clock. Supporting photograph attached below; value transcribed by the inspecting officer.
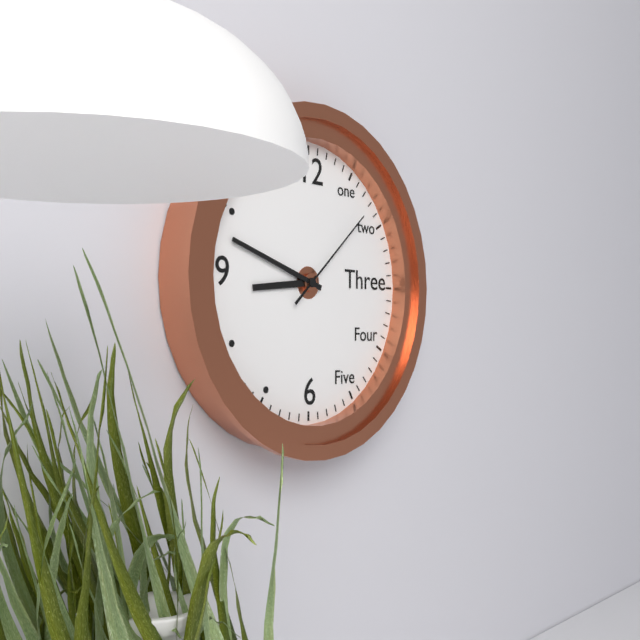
8:48:08
